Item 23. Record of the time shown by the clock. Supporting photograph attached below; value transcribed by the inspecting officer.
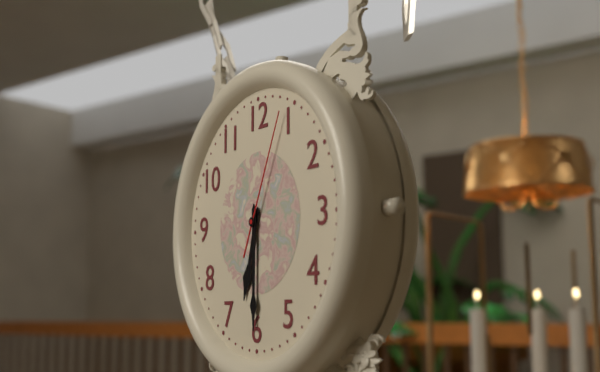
6:30:04
